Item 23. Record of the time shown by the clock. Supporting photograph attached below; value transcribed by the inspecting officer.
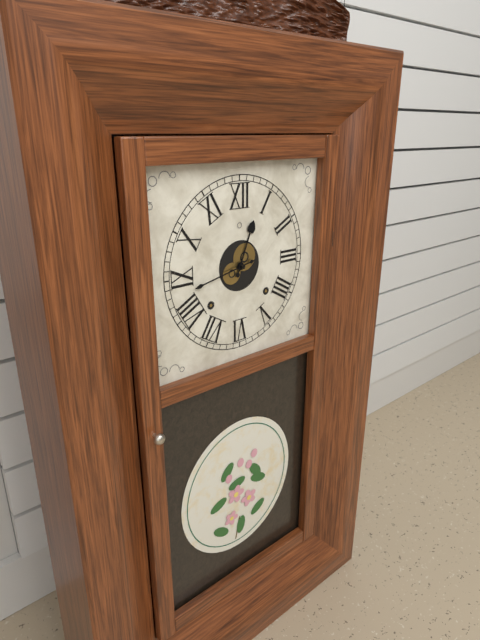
12:43
